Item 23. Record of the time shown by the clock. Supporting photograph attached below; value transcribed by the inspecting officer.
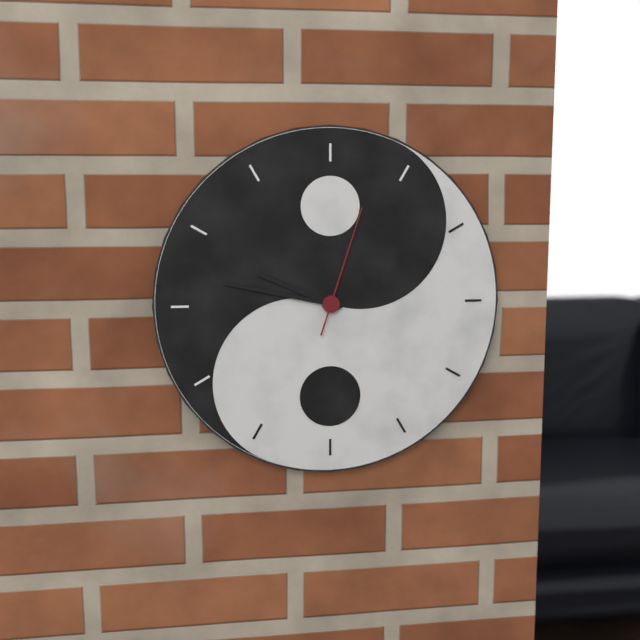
9:47:03
